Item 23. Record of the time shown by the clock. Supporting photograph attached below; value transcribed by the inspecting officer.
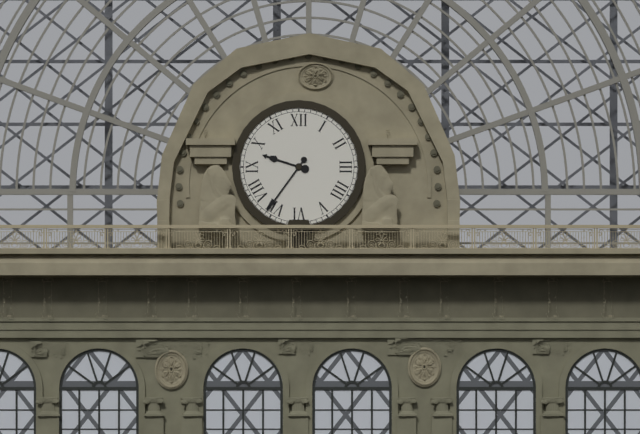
9:36
